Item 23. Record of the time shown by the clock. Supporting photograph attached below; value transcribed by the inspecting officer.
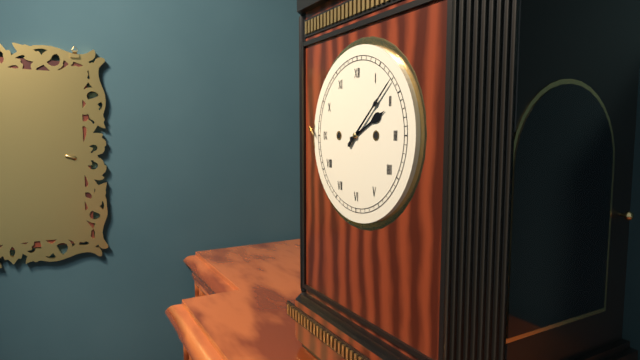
2:08
